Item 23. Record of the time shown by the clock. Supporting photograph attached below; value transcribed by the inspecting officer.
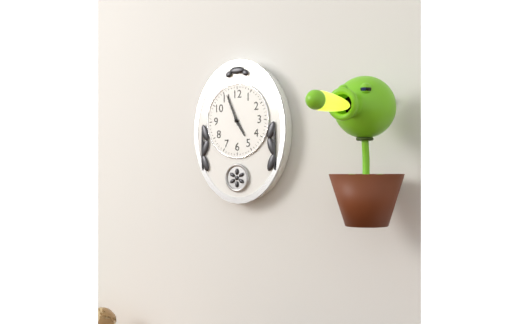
4:56
